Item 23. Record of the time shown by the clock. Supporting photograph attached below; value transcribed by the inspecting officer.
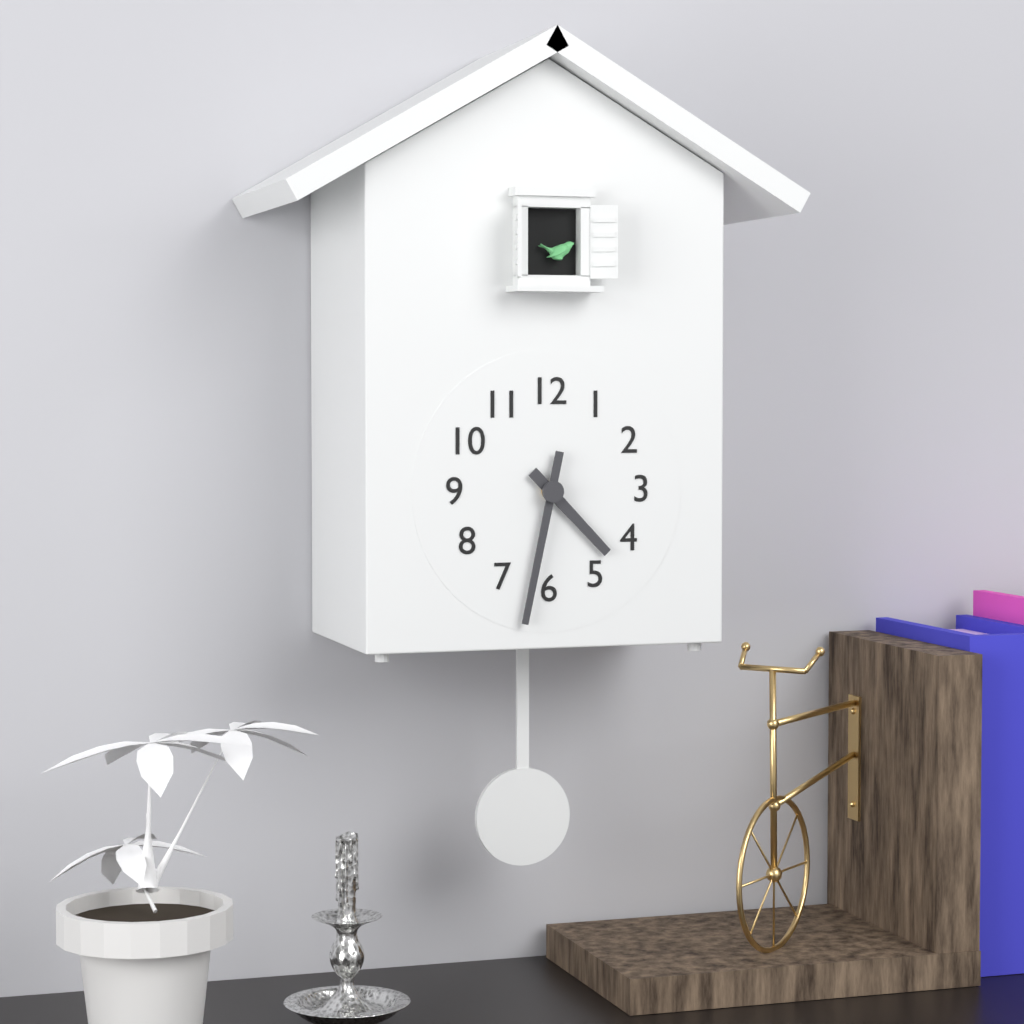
4:32
